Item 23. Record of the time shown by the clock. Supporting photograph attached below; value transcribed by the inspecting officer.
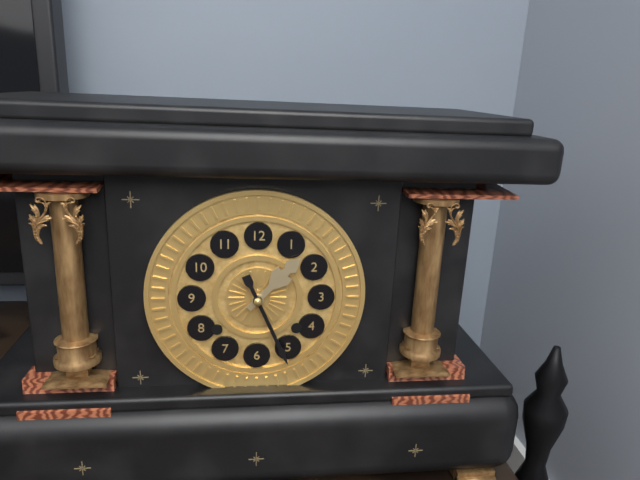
1:26
